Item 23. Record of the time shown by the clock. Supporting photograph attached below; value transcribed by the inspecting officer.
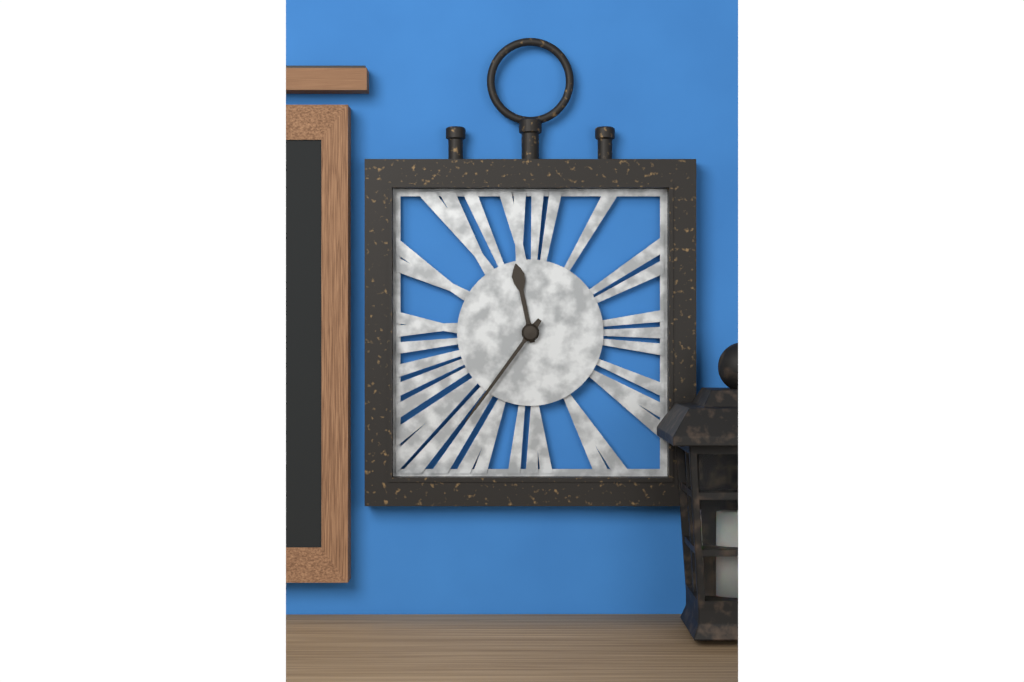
11:36
